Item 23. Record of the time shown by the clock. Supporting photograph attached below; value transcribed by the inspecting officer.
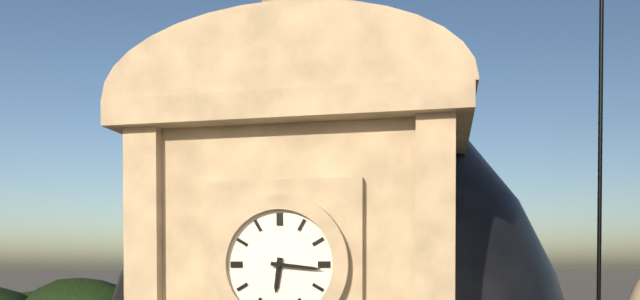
6:16
